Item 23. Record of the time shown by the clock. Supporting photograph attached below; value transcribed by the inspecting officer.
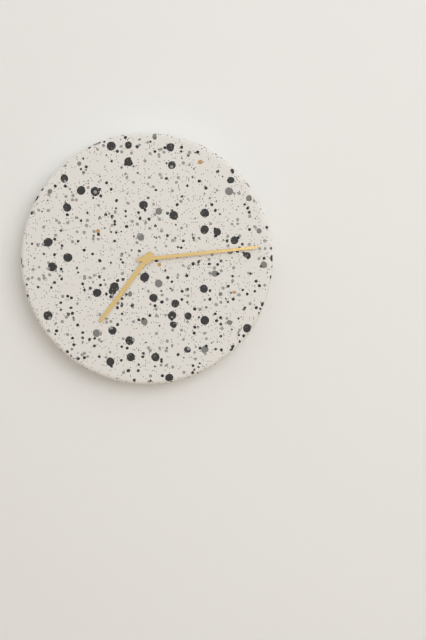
7:14
